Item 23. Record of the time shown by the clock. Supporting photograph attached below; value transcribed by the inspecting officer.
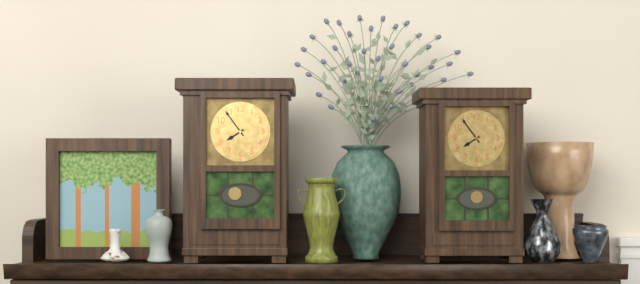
7:54
